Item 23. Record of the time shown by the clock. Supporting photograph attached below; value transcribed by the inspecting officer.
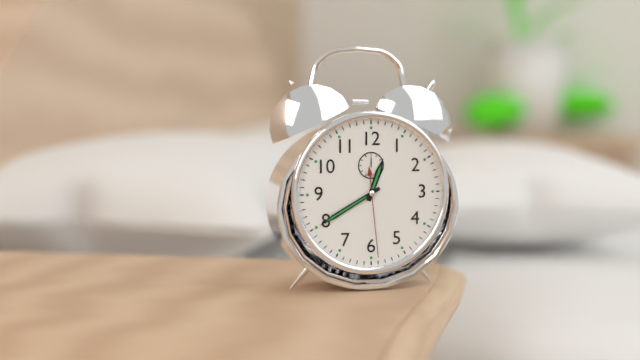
12:40:29
